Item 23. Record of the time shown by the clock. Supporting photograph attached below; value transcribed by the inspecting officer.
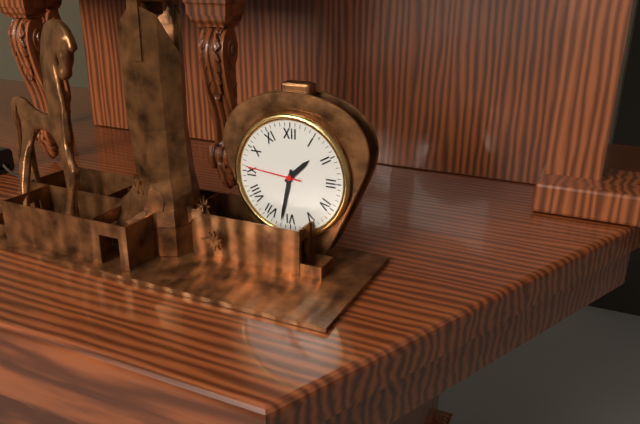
1:32:46
